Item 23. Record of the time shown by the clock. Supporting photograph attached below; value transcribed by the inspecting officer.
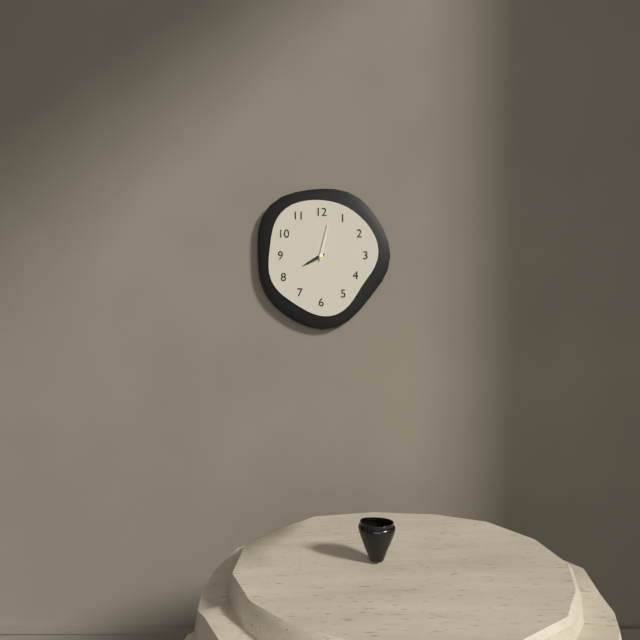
8:02
